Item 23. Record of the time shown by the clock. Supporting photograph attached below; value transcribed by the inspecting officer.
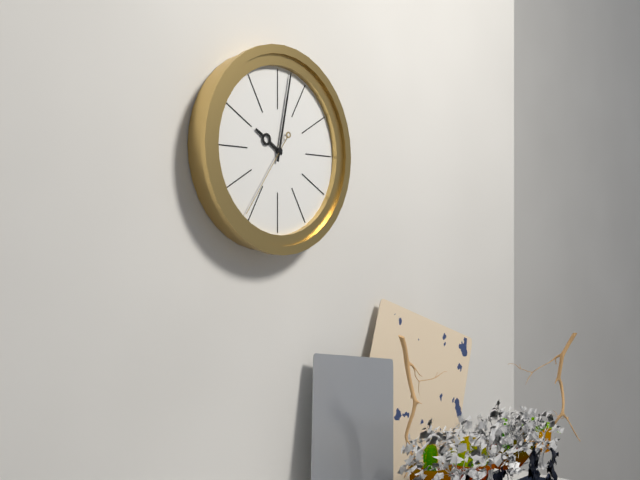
10:02:36
